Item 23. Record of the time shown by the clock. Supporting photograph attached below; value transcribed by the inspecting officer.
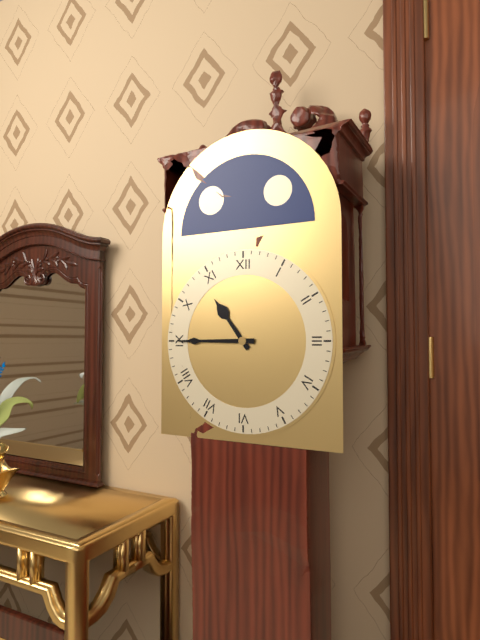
10:45
